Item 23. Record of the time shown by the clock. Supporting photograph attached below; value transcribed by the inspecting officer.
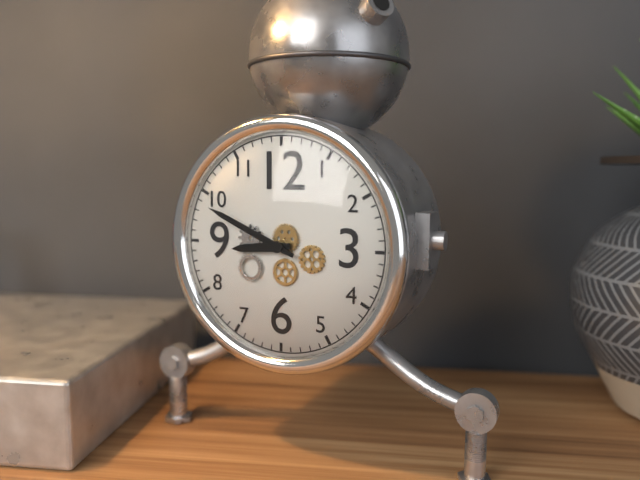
8:49
